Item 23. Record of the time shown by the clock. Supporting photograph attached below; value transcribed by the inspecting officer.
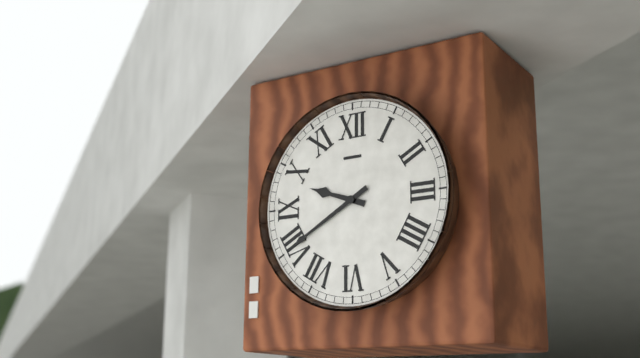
9:40
